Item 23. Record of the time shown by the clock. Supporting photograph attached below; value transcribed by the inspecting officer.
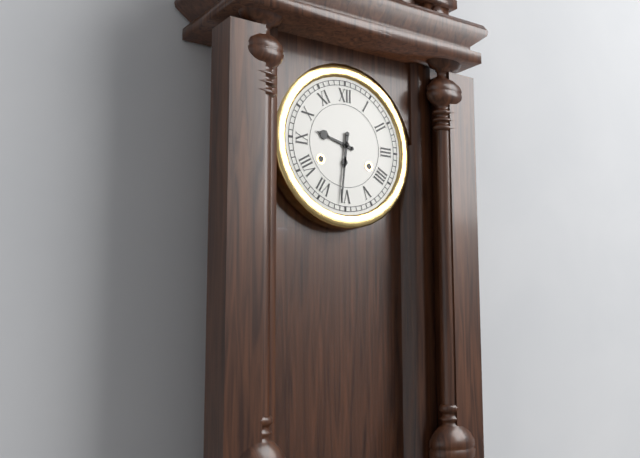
9:31
